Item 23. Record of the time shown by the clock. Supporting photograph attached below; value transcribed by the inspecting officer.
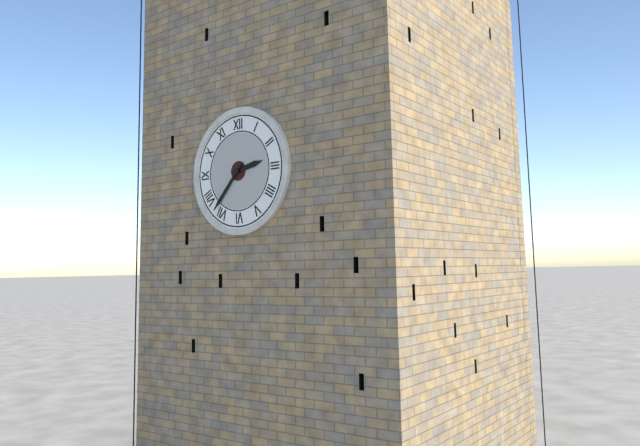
2:37
